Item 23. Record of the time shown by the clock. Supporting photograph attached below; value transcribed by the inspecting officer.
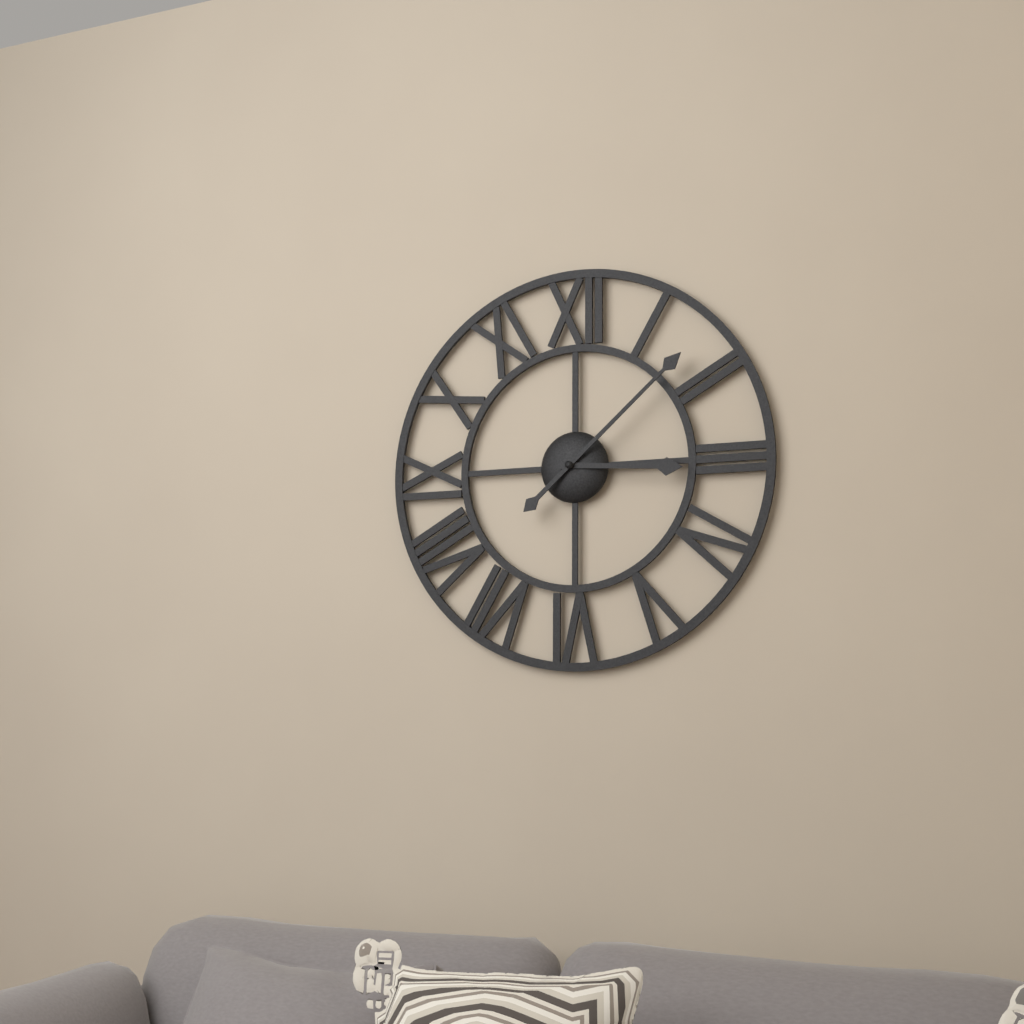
3:08
